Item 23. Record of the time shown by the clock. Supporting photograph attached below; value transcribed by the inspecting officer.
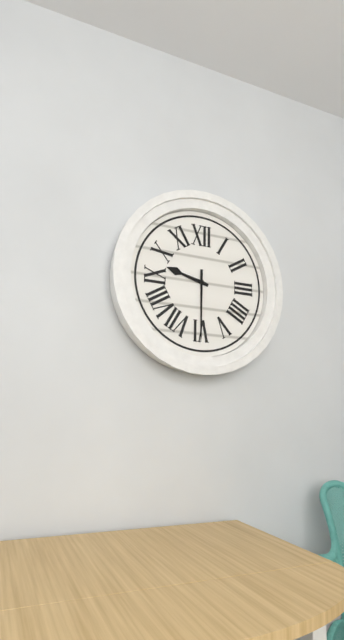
9:30
